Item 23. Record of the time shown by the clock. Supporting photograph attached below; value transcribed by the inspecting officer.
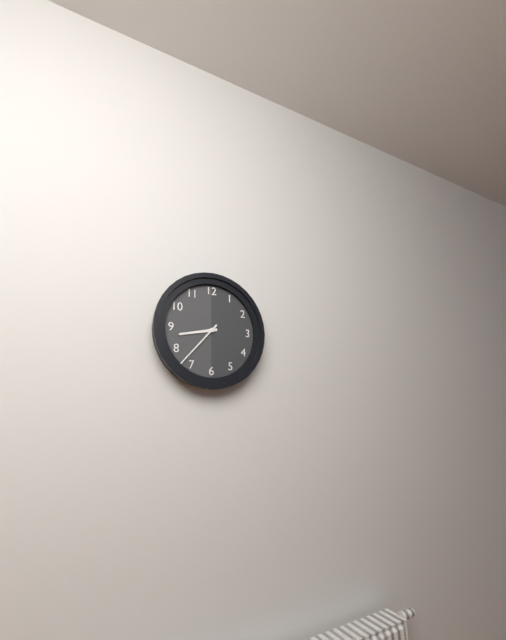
8:37
